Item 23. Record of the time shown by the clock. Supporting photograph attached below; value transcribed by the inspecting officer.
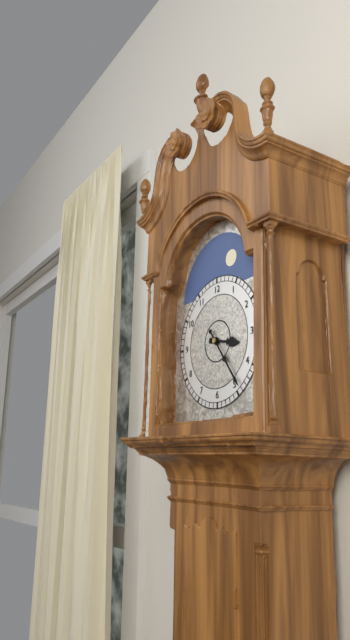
3:24
